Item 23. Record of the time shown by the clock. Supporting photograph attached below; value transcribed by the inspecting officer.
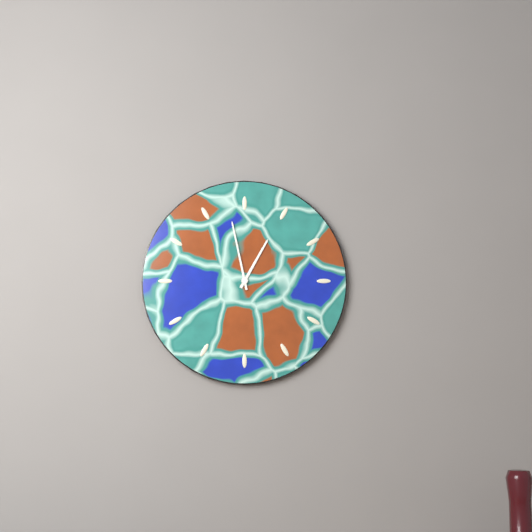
12:58
